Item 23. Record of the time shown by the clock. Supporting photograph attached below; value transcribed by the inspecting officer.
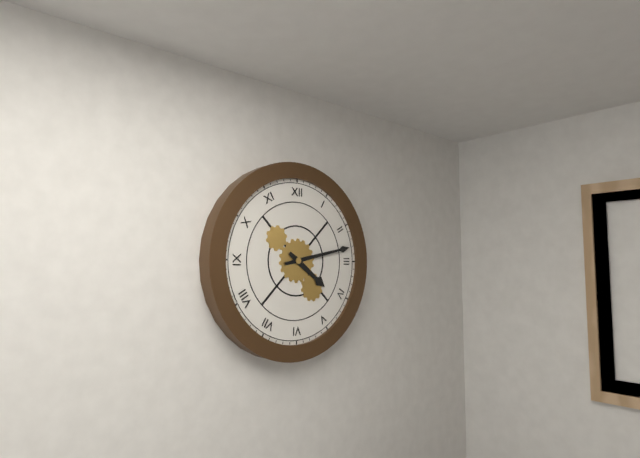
4:13
